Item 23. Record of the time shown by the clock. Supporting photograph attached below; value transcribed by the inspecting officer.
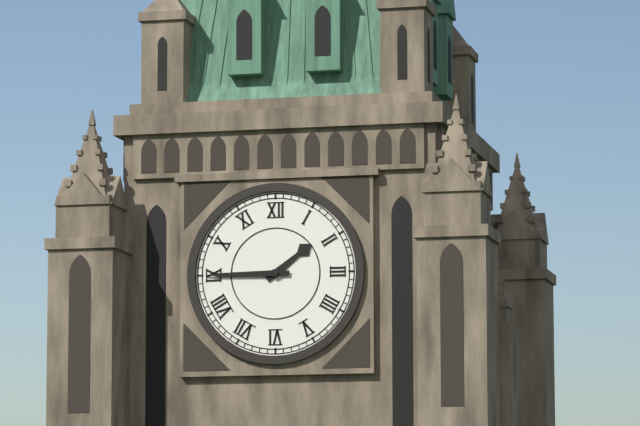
1:45
